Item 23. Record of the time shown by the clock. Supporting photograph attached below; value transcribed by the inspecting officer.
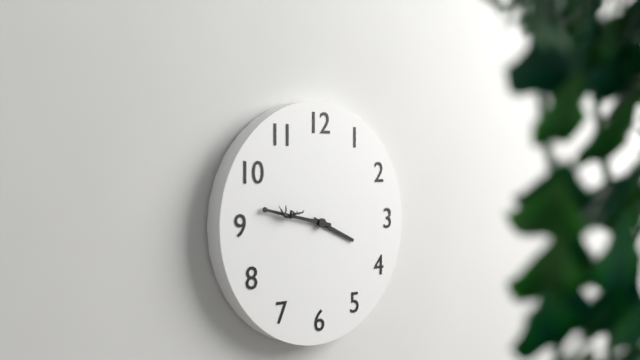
3:47
